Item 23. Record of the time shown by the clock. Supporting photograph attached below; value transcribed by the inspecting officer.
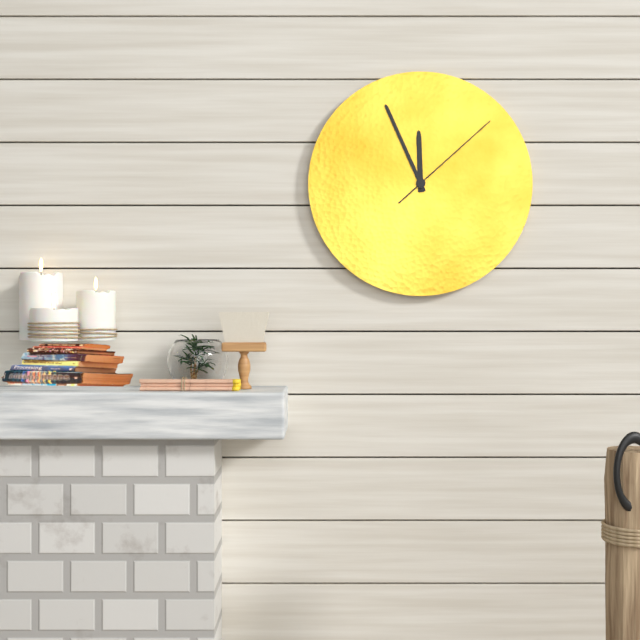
11:56:08
